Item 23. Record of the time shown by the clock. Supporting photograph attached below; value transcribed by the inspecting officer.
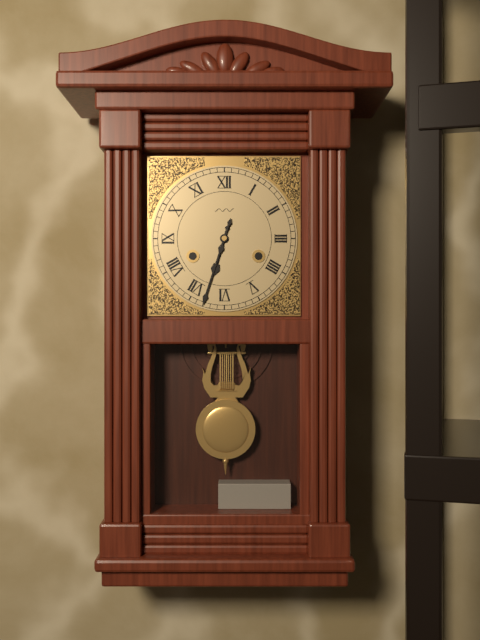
6:33
